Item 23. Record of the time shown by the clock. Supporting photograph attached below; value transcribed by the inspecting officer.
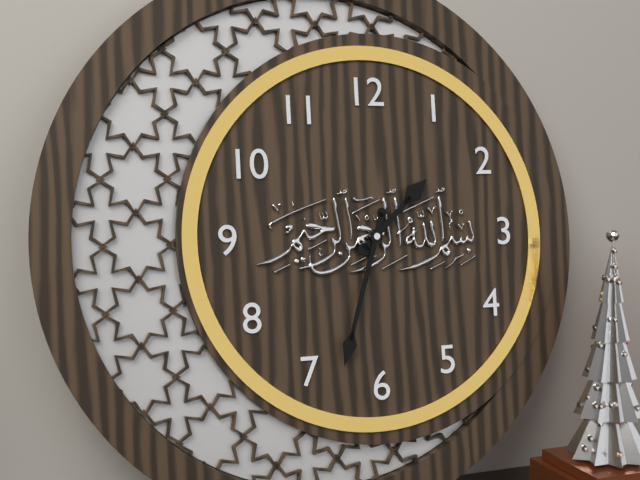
1:33
